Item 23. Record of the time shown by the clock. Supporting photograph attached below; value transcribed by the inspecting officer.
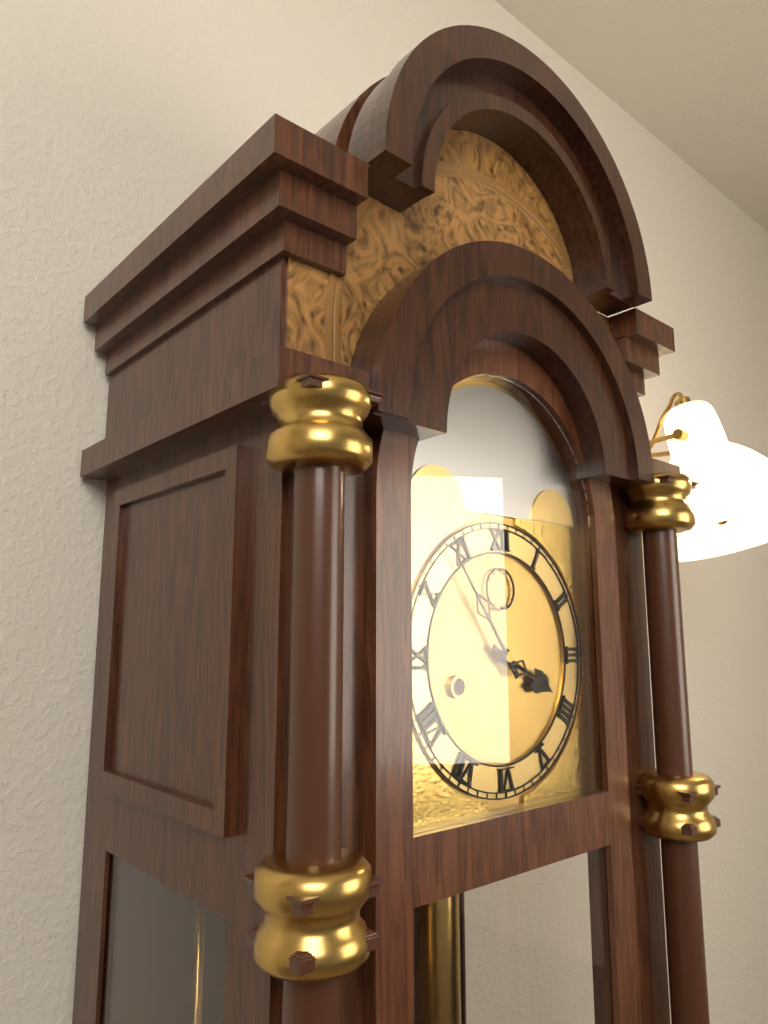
3:54
